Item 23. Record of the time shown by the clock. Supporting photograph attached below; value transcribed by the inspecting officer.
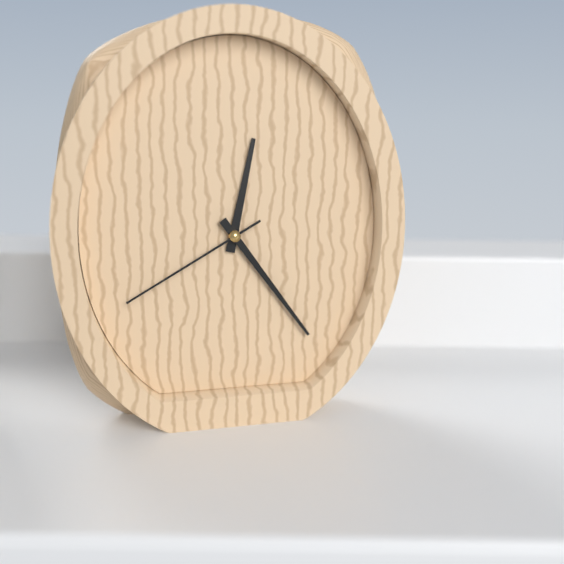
12:24:40
